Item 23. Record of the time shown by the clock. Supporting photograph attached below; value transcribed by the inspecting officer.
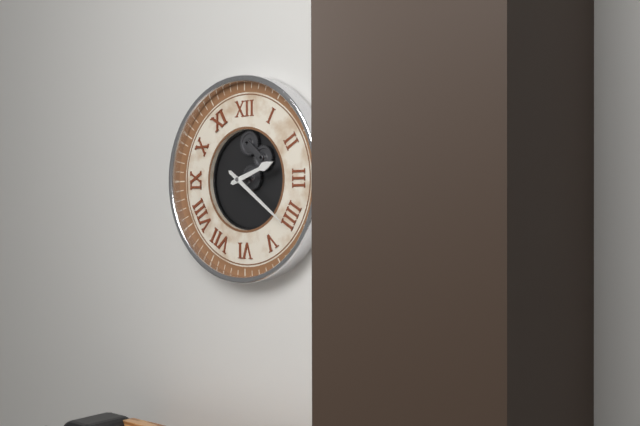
2:21
